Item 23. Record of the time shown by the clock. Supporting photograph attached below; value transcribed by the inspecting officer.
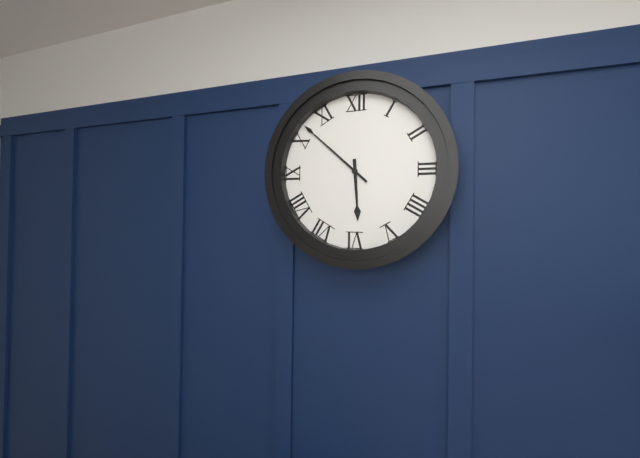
5:52
